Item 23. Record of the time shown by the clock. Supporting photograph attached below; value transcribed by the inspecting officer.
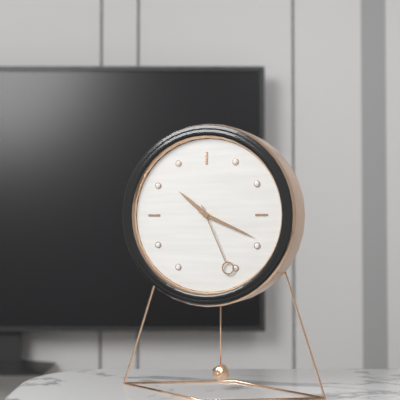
10:19:26
